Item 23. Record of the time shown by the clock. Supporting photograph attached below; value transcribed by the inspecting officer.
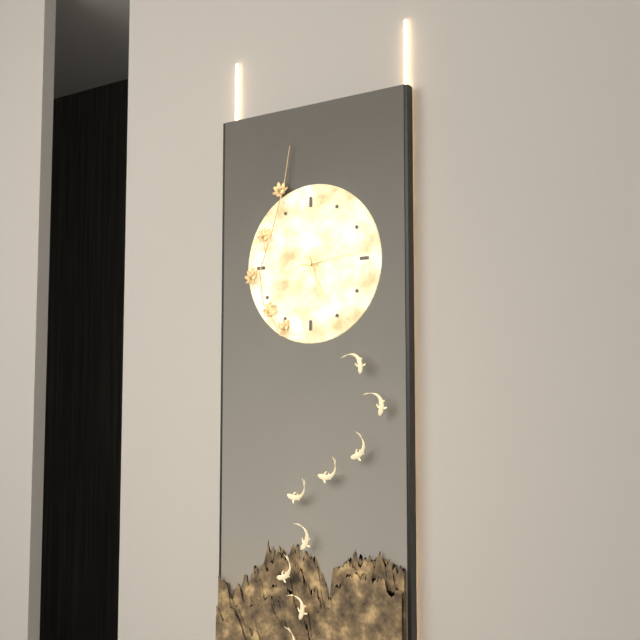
5:14
